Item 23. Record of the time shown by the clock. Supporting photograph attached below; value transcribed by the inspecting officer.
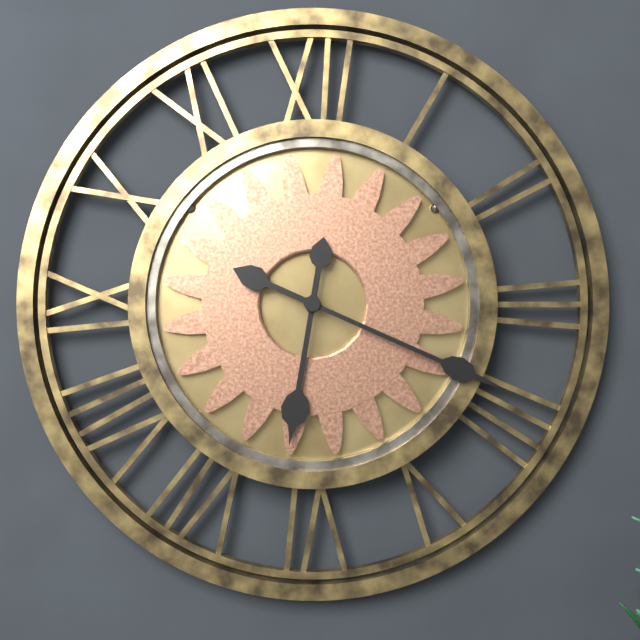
6:19
